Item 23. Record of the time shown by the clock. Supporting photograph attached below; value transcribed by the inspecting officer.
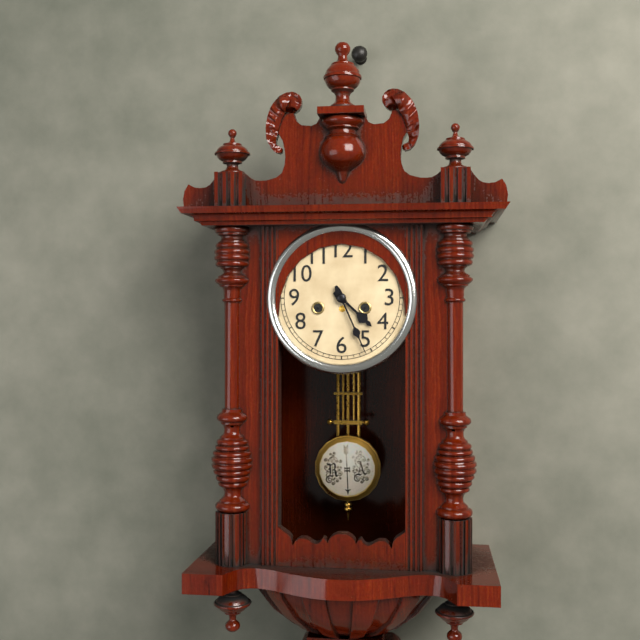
4:26
